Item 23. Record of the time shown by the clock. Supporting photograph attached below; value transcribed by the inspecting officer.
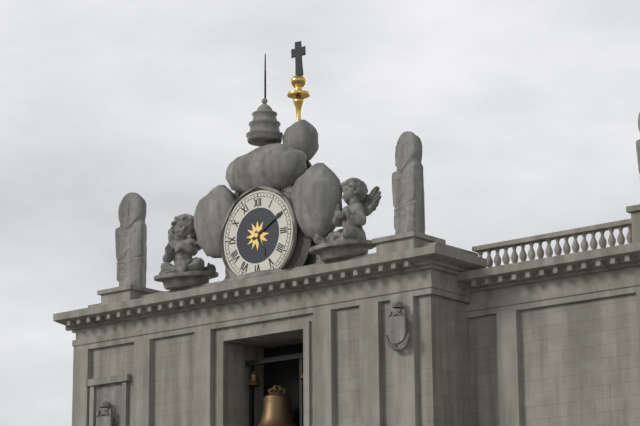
5:10
